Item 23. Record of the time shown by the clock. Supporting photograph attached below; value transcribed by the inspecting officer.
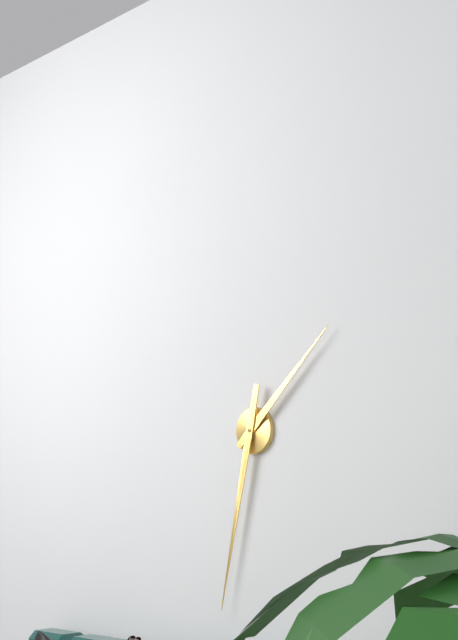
1:32
